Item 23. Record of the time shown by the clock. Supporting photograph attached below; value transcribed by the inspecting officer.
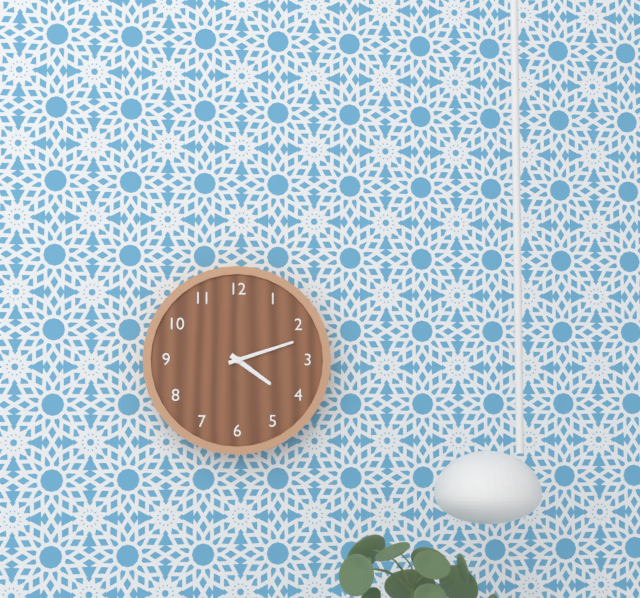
4:12
